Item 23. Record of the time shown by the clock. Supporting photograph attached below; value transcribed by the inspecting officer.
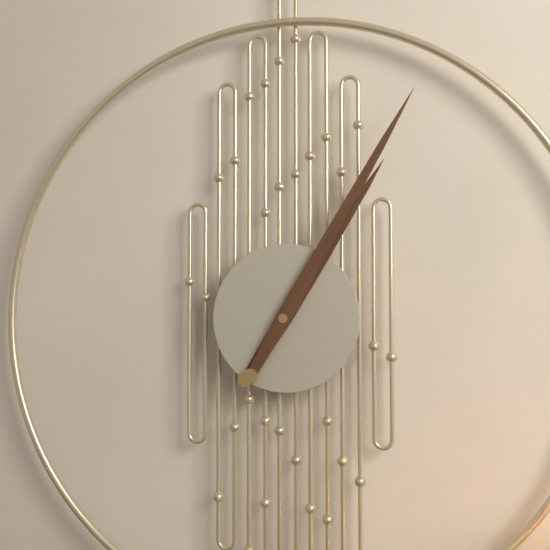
1:05
